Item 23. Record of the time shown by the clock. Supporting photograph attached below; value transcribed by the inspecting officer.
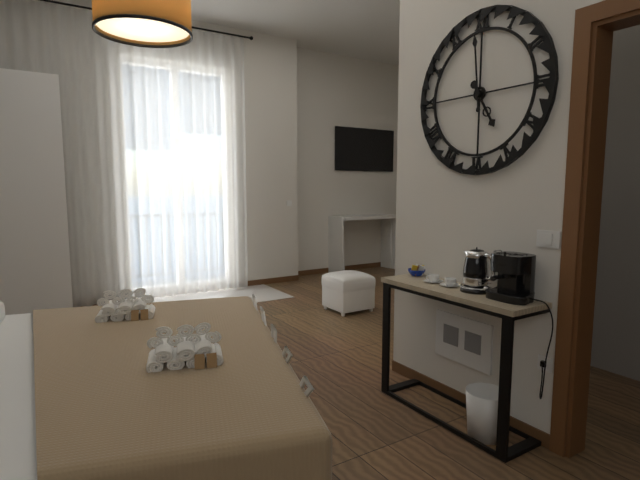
4:59
